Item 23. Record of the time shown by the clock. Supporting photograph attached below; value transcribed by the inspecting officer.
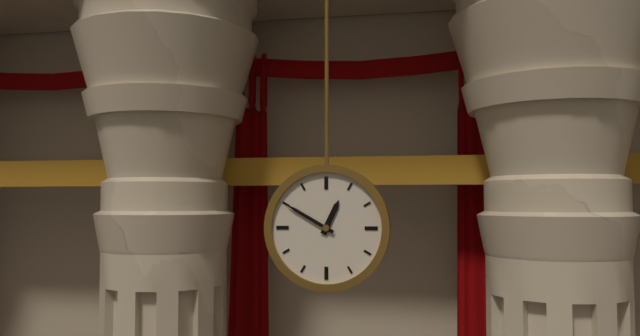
12:50
